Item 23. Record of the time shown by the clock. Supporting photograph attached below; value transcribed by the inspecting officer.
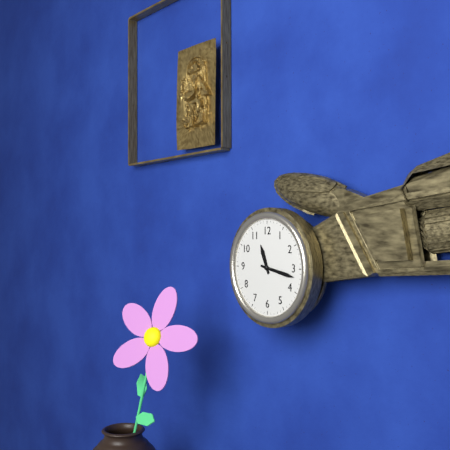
11:17
